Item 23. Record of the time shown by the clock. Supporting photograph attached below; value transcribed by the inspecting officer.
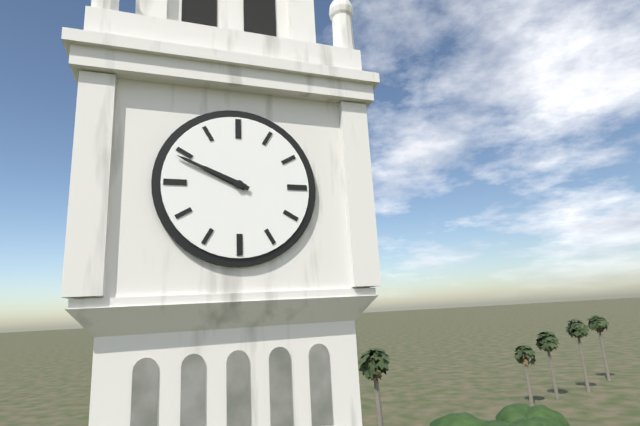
9:49
